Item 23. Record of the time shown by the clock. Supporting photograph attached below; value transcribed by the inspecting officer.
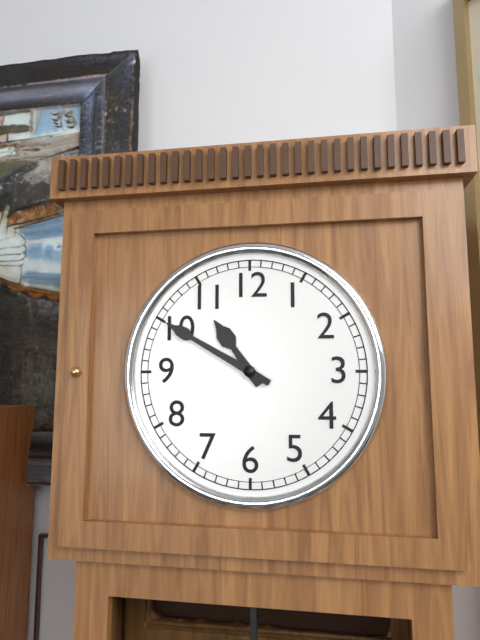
10:50
